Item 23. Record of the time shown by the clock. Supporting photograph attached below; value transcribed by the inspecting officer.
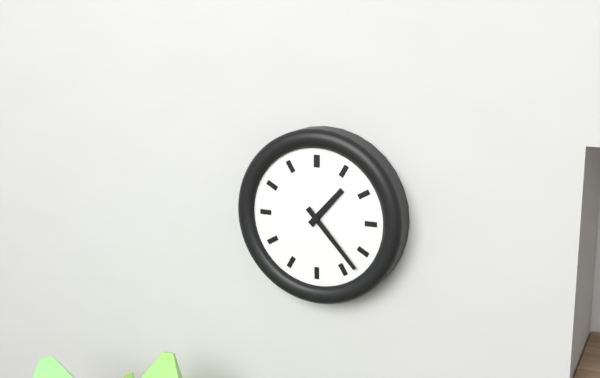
1:23
